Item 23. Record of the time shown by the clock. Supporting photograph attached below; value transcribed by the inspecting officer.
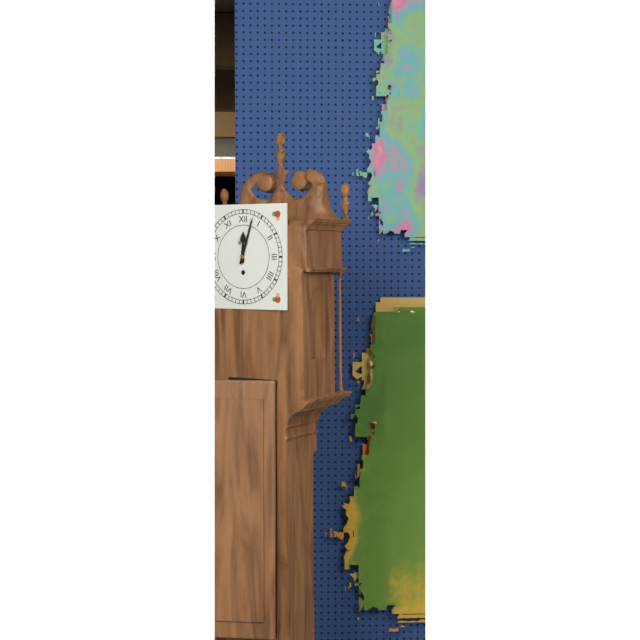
12:03
